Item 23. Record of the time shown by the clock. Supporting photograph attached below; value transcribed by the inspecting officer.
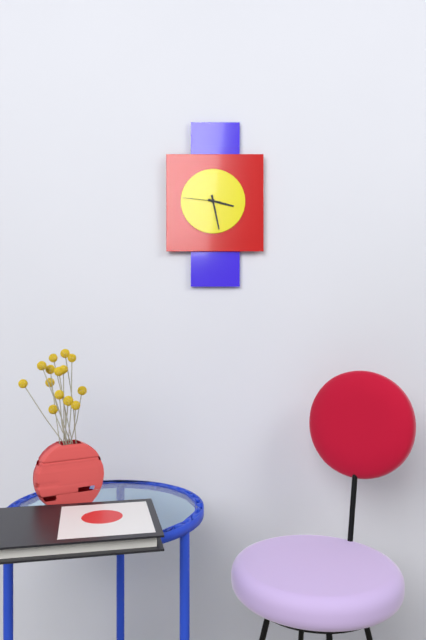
3:28
